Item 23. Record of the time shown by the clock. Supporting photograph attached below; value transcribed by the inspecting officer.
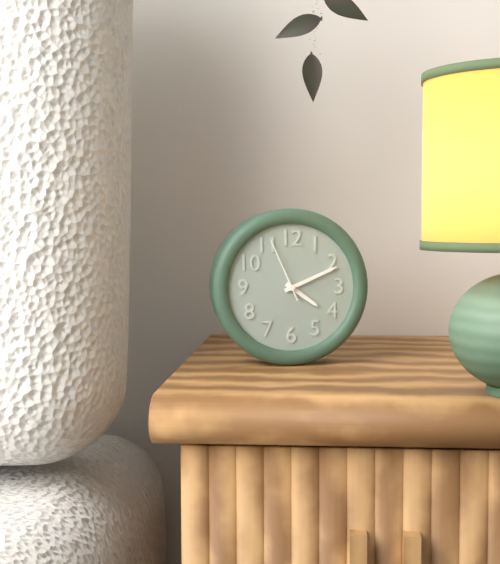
4:11:56
